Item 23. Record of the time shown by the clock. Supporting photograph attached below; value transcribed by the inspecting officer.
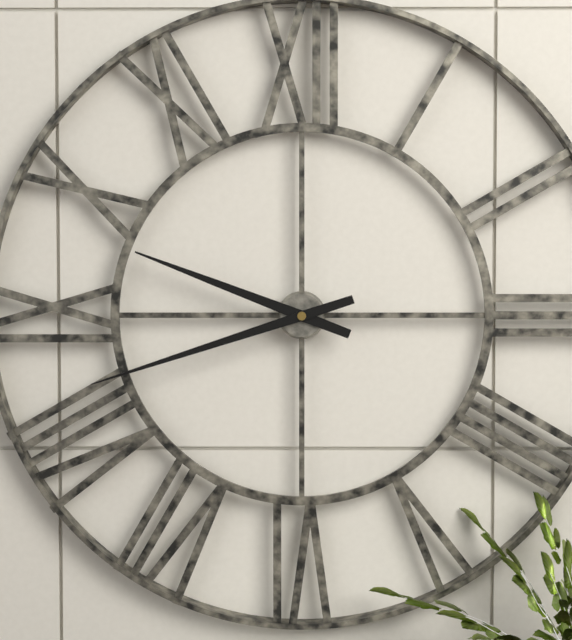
9:42
